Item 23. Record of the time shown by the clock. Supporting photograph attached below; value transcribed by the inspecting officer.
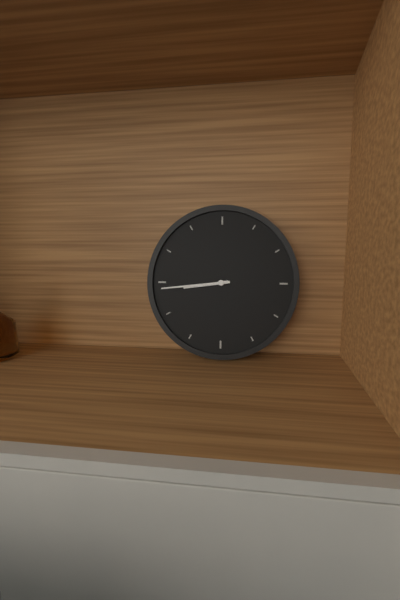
8:44
